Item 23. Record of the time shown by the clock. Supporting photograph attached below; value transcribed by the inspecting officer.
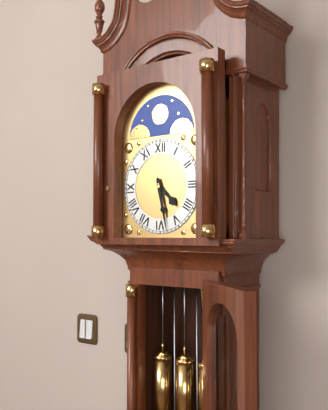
4:28
